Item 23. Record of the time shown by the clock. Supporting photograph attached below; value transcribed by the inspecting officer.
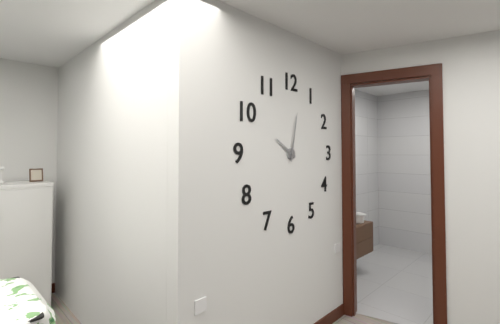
10:02
